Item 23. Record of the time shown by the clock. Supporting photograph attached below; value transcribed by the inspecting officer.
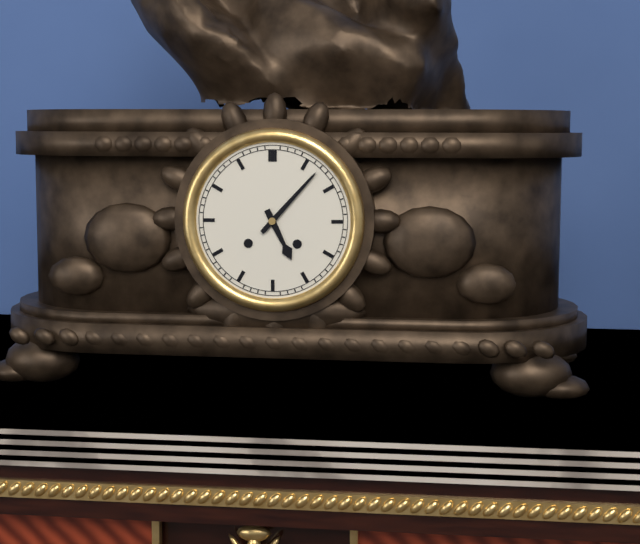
5:07
